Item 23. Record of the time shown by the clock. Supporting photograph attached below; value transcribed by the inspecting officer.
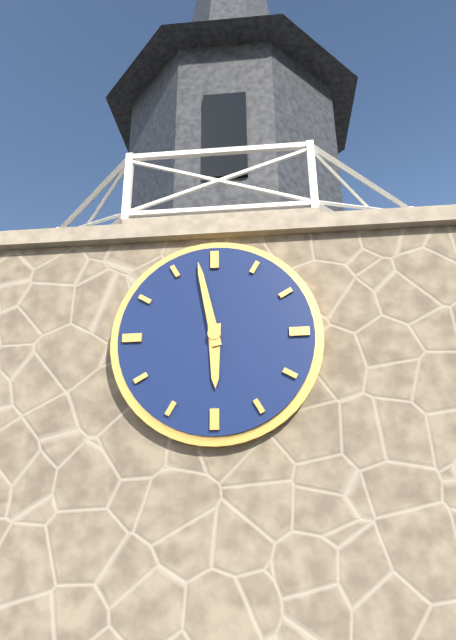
5:58
